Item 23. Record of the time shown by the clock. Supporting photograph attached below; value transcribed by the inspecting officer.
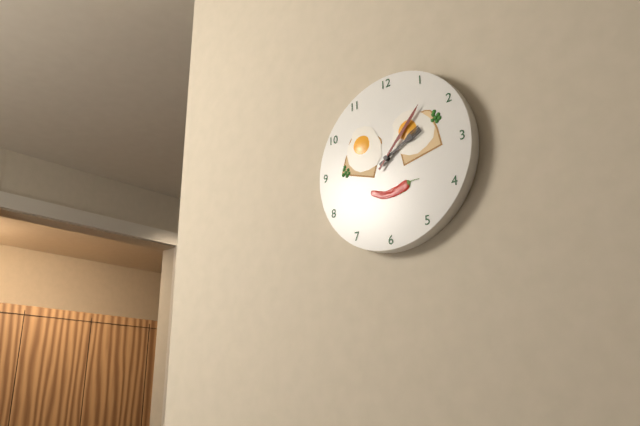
2:07
